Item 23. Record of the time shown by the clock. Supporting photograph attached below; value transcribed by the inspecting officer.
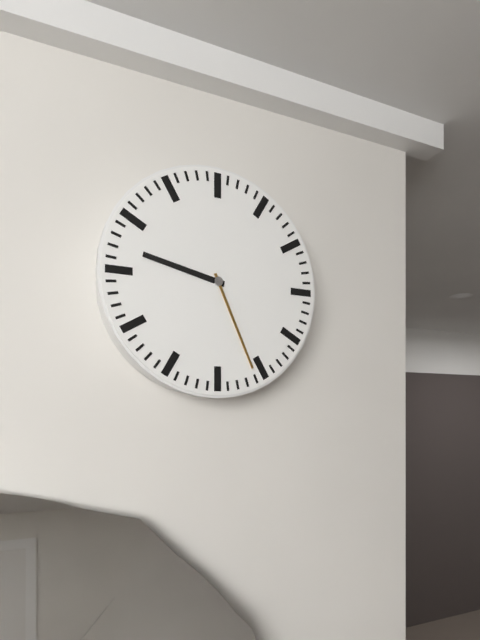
9:26
